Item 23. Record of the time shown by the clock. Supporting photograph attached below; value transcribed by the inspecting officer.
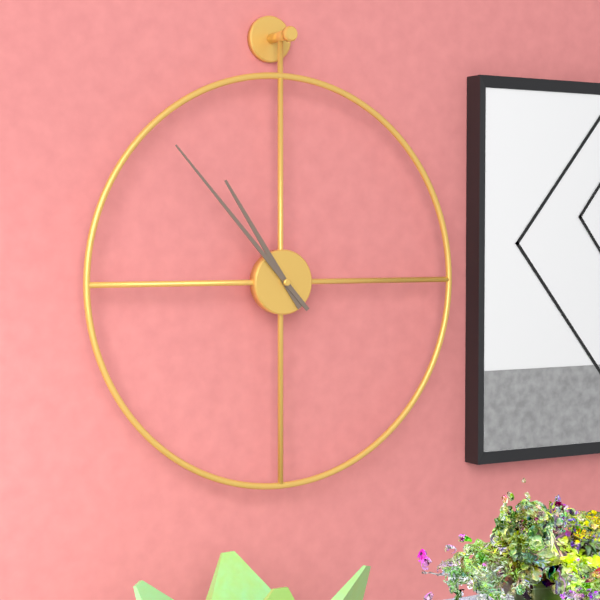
10:53
